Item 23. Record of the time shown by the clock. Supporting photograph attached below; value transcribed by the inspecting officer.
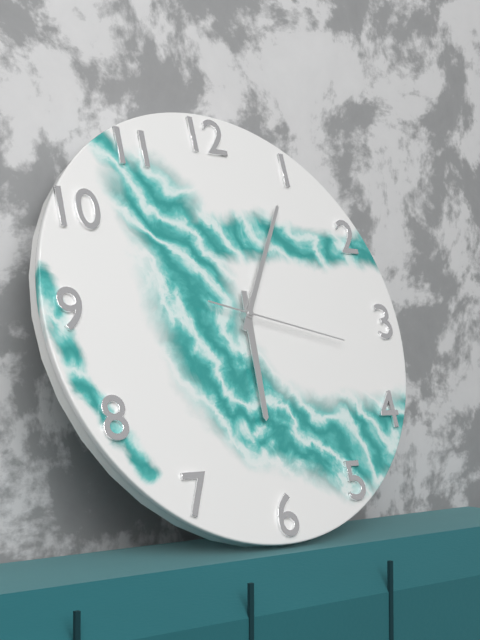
6:05:17
